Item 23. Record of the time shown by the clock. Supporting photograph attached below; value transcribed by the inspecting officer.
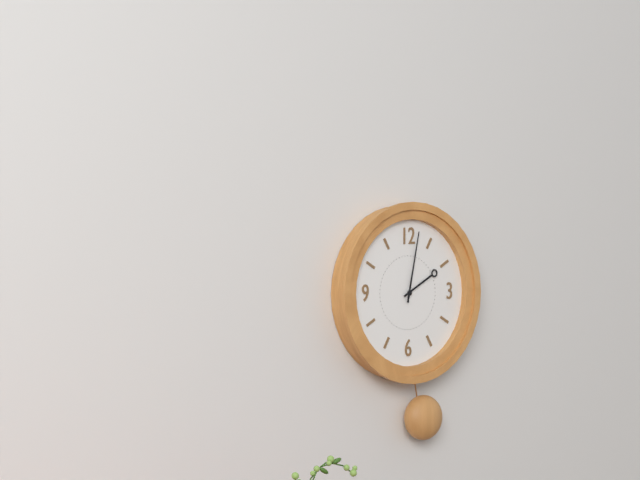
2:02
